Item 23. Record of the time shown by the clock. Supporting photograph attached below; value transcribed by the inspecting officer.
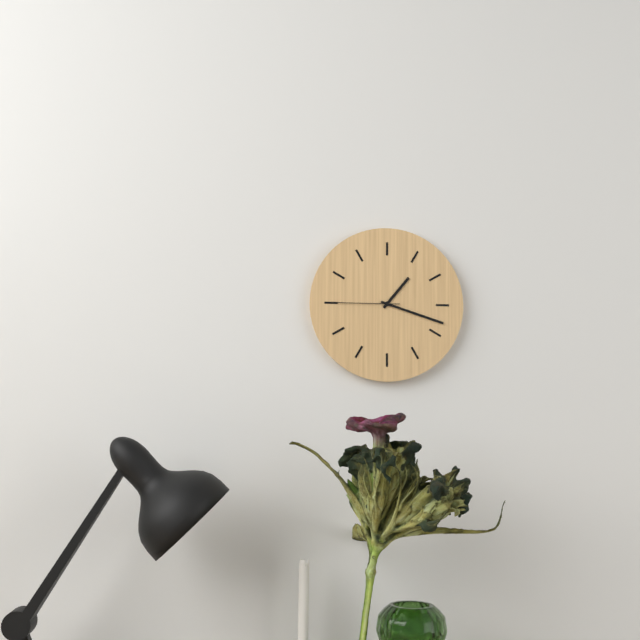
1:18:45
